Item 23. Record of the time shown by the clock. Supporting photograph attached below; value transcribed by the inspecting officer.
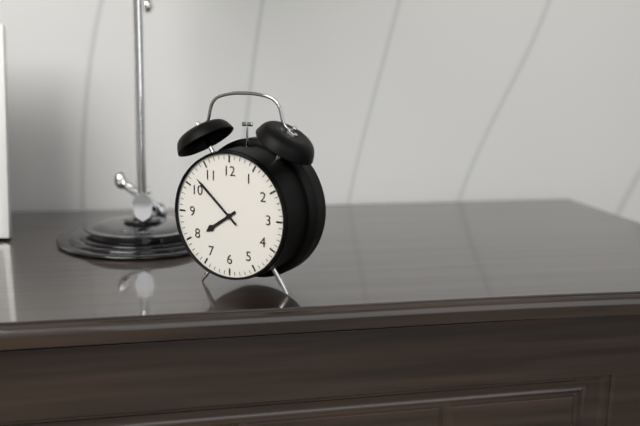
7:52
